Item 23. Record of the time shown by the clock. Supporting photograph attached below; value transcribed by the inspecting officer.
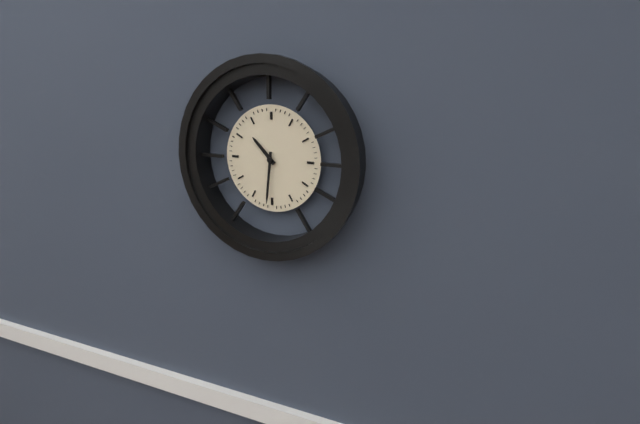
10:31
